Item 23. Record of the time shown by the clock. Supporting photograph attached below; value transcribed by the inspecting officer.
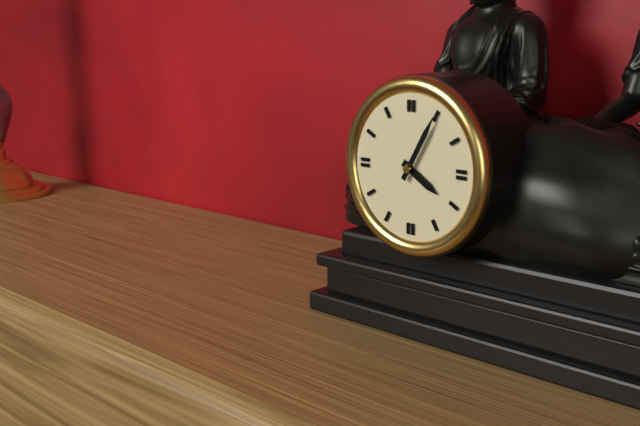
4:05
